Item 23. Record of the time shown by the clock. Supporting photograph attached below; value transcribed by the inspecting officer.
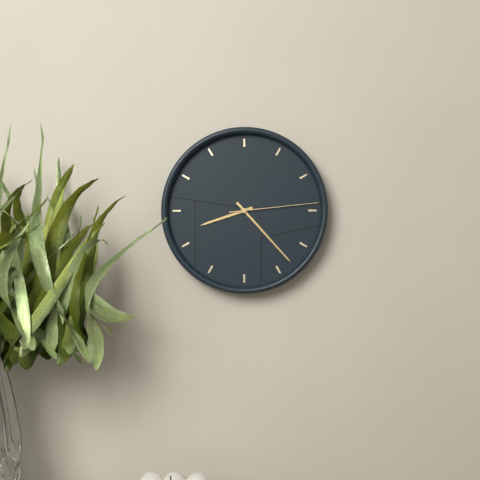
8:23:14
